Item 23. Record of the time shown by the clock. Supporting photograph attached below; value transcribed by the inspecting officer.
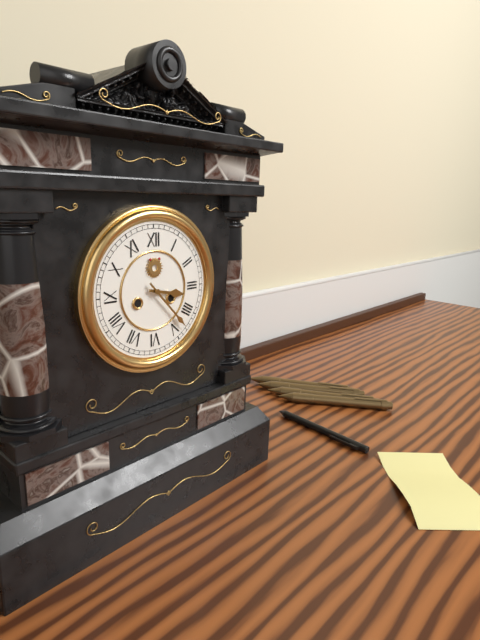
3:23
